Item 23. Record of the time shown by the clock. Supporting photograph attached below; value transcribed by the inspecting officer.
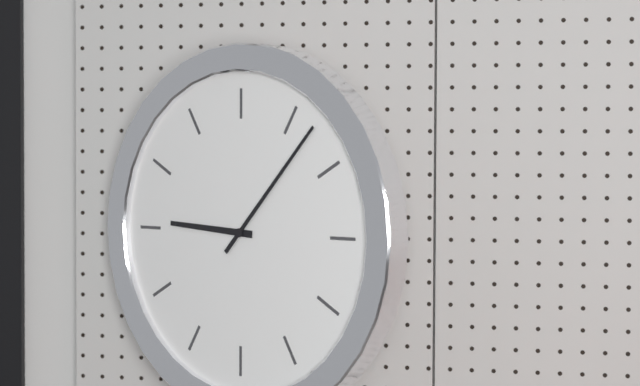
9:07
